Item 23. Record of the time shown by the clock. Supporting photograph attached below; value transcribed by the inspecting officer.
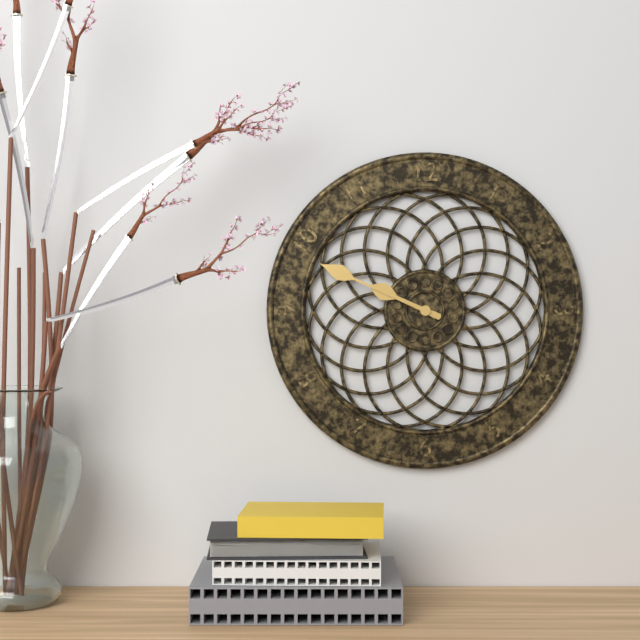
9:49
